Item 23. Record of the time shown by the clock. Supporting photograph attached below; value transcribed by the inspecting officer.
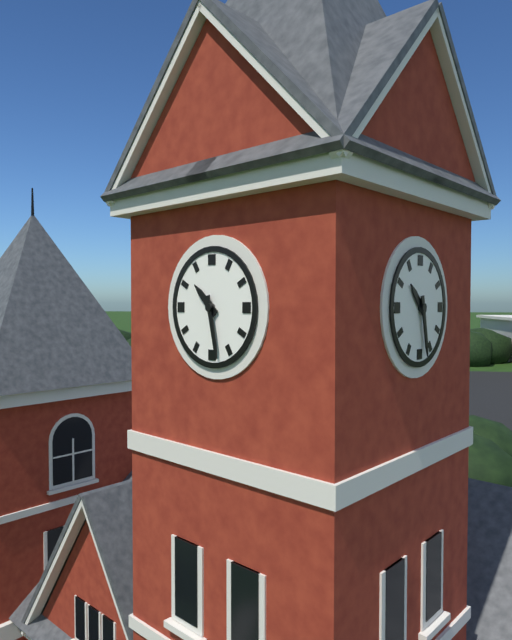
10:28
